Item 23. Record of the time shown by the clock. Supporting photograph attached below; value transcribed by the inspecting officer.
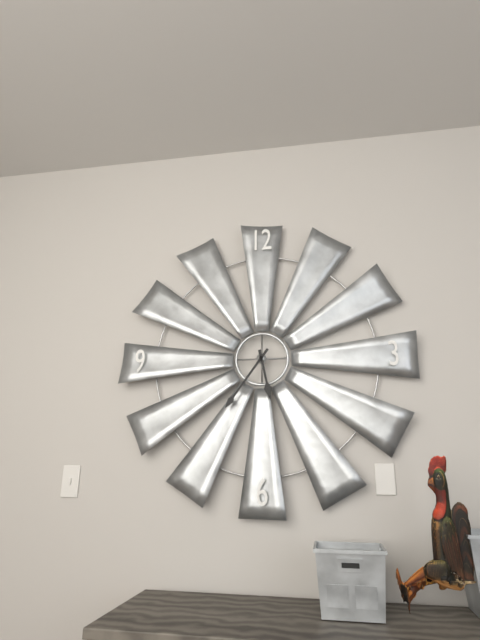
5:36
